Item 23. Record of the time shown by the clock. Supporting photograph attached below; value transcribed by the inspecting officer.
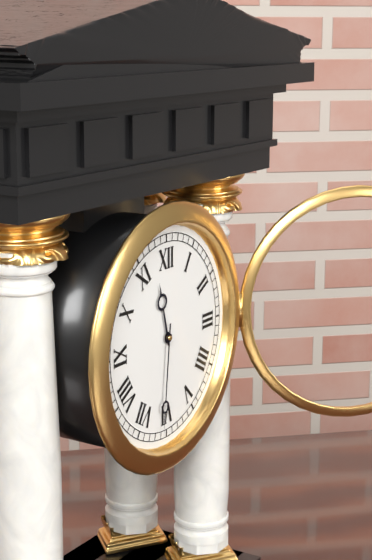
11:31
